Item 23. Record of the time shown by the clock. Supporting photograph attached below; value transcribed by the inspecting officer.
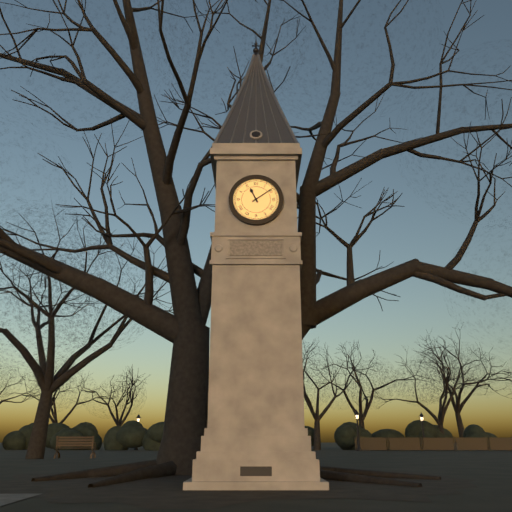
11:09
